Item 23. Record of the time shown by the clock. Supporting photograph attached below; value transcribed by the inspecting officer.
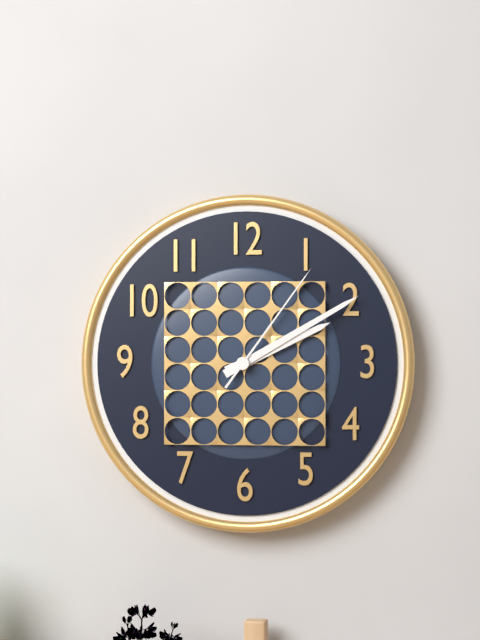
2:10:06
